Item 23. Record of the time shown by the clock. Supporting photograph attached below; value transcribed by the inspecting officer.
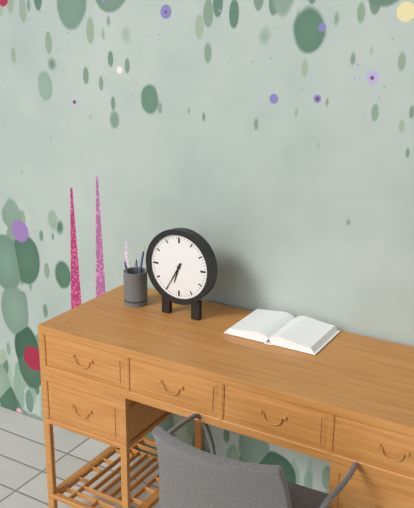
6:35
